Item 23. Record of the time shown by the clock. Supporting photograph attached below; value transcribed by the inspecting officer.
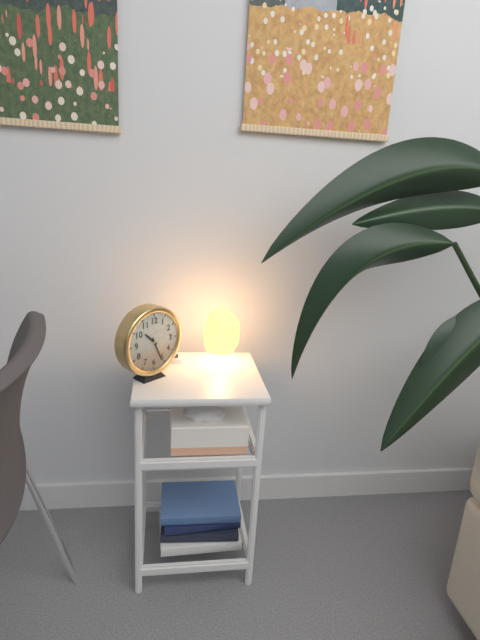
10:26
